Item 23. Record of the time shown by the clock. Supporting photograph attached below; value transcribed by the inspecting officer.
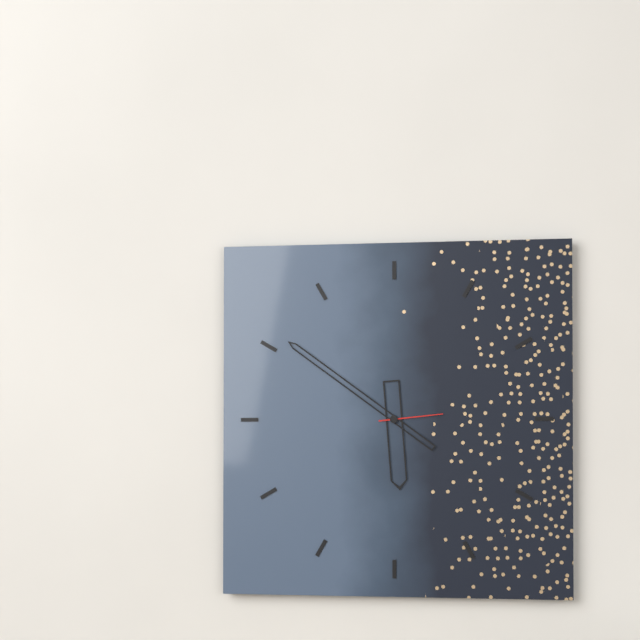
5:51:14
